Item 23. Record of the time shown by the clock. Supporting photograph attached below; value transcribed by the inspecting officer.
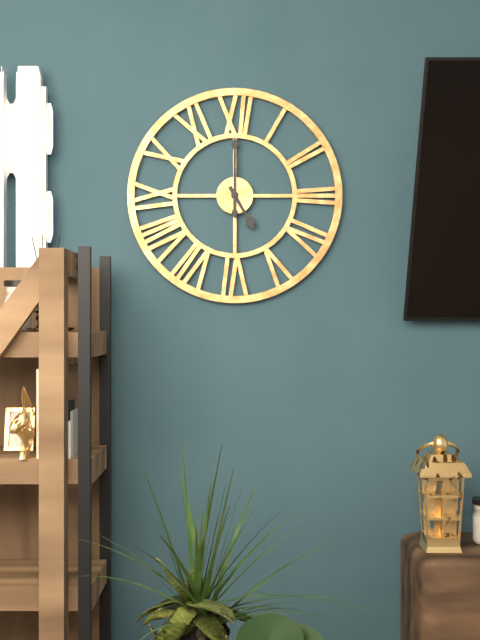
5:00
